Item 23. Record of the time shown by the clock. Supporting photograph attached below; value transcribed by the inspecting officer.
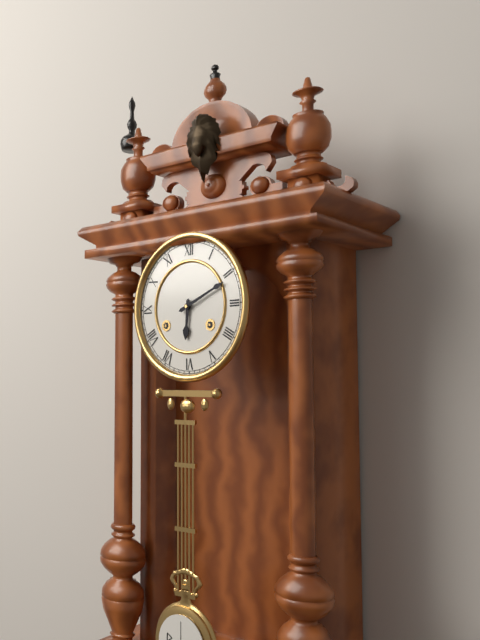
6:11
